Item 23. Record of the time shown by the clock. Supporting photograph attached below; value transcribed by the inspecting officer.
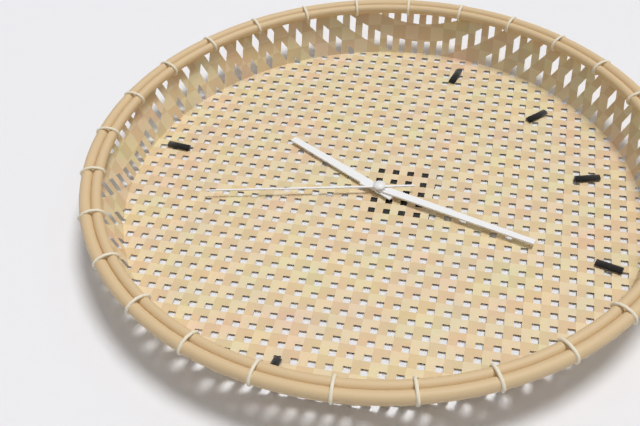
7:03:28
